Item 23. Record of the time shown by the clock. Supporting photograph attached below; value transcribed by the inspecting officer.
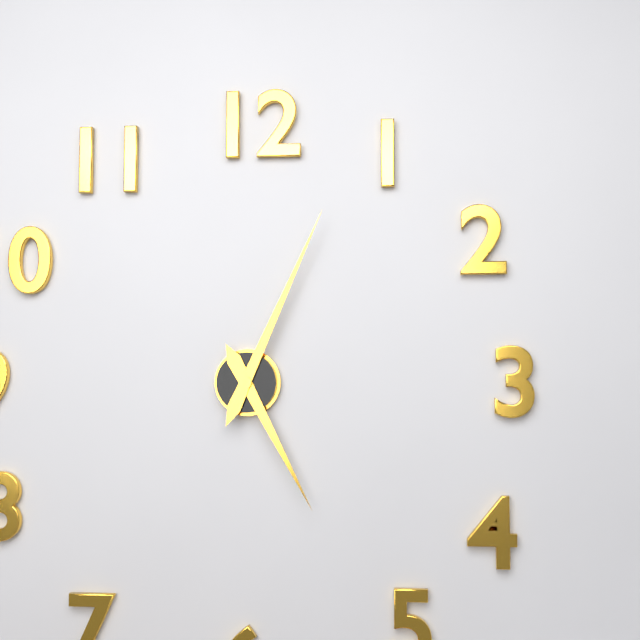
5:04
